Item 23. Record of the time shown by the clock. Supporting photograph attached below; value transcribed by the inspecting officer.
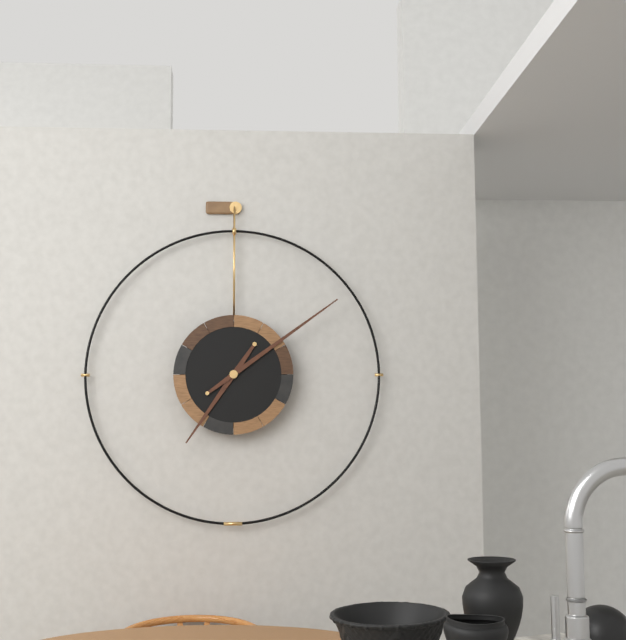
7:09
